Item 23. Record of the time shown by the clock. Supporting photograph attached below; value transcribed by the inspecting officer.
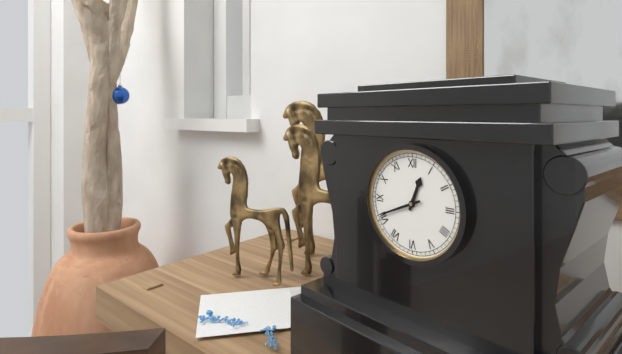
12:41
